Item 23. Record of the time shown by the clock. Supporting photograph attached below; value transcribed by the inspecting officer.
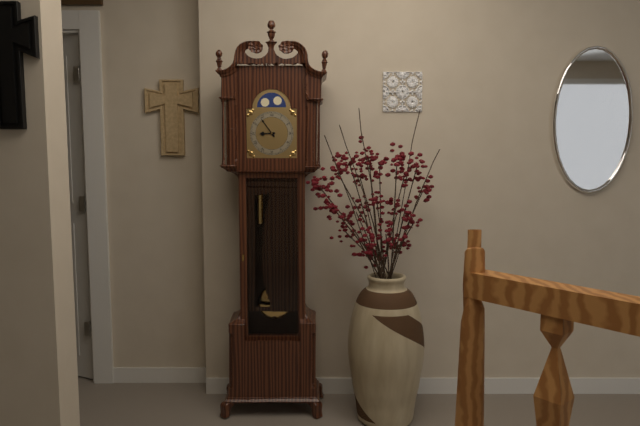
8:54
